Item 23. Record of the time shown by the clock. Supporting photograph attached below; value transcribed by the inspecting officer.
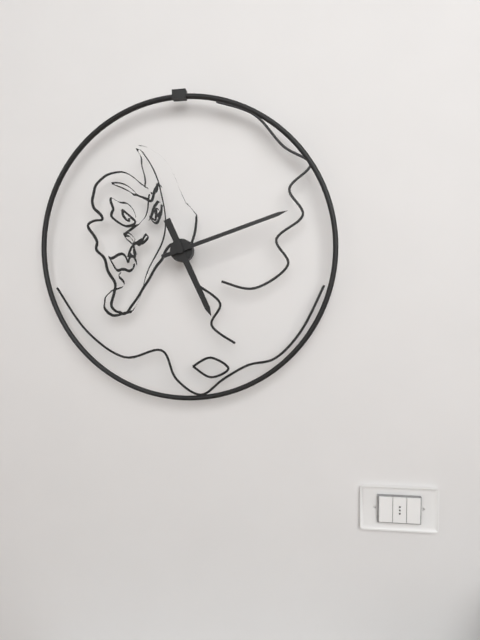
5:12
